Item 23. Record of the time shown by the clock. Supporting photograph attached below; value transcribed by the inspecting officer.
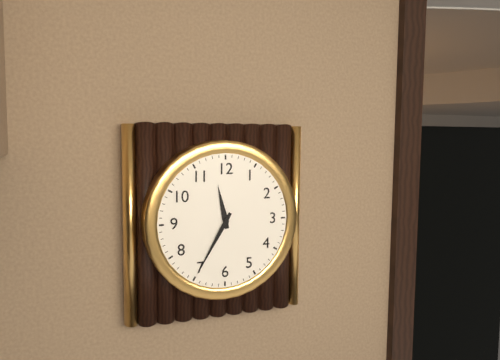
11:35
